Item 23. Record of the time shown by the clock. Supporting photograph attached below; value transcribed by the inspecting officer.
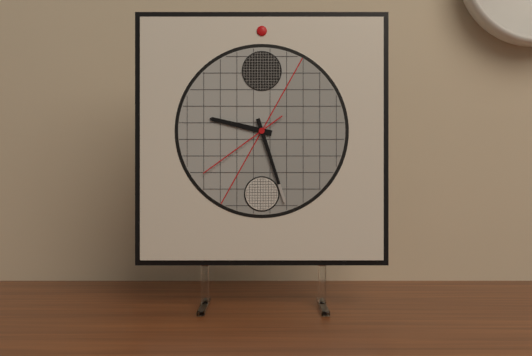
9:27:39
